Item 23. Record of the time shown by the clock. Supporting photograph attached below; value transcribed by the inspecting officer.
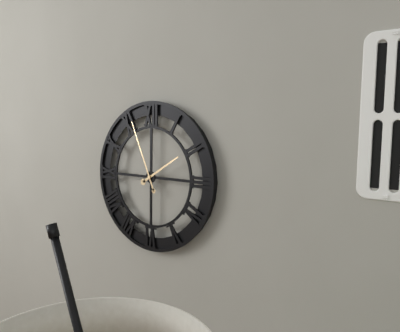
1:56
